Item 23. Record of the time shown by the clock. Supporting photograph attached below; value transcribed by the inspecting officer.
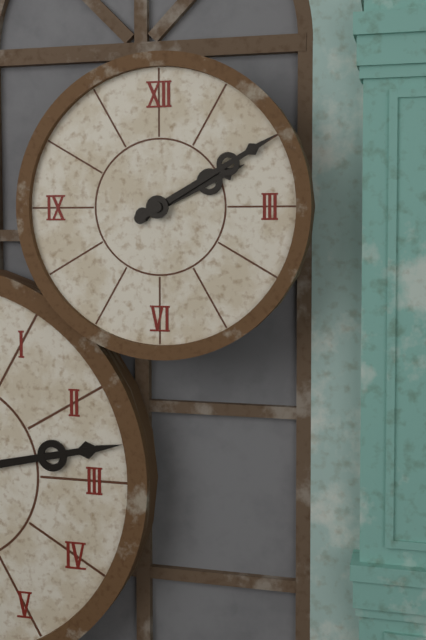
2:10
